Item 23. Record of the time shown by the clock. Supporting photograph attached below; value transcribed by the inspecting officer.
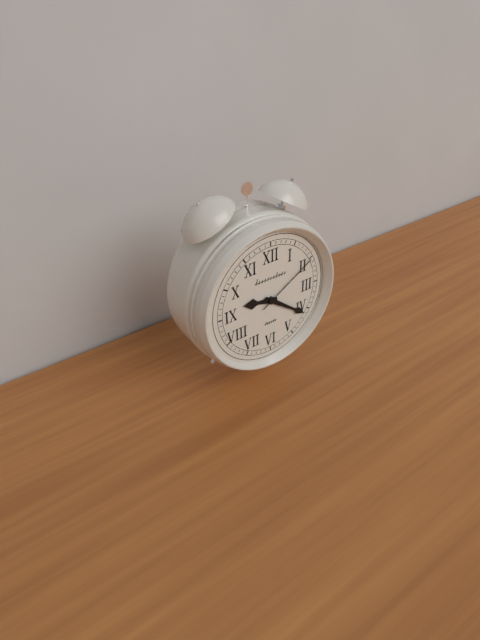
9:21:10
